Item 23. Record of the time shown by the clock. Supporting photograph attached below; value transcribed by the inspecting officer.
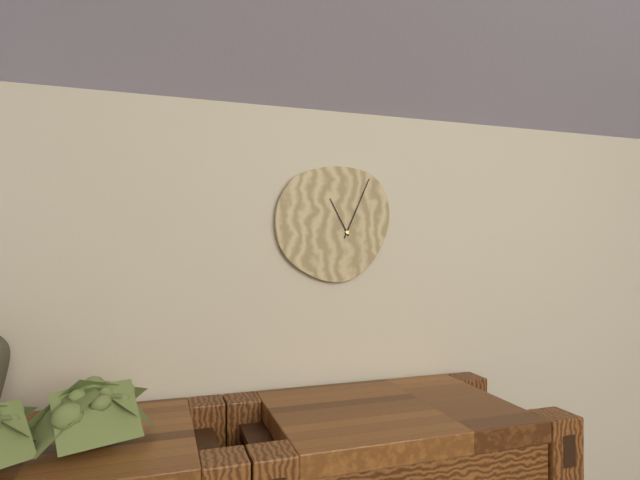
11:04
